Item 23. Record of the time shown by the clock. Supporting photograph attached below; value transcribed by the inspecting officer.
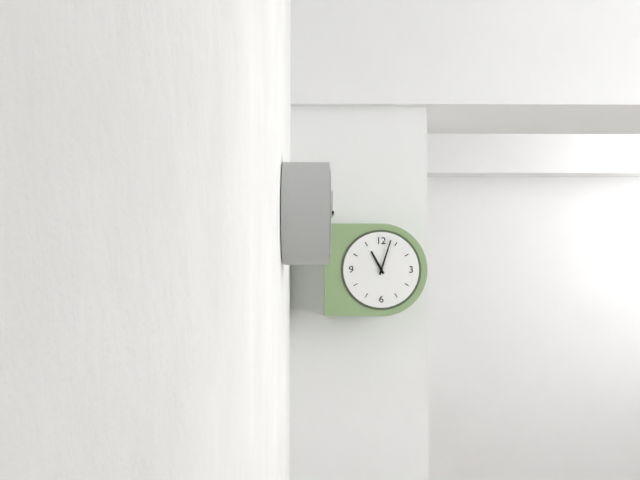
11:03
